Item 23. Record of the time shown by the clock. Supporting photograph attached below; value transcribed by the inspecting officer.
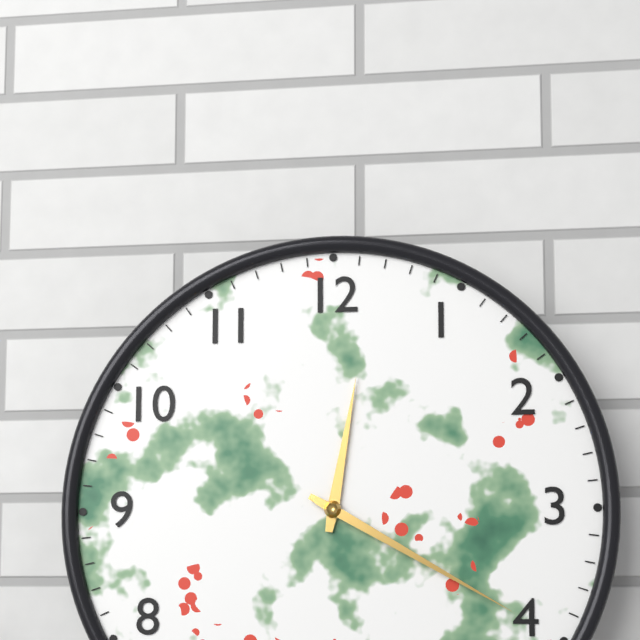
12:20
